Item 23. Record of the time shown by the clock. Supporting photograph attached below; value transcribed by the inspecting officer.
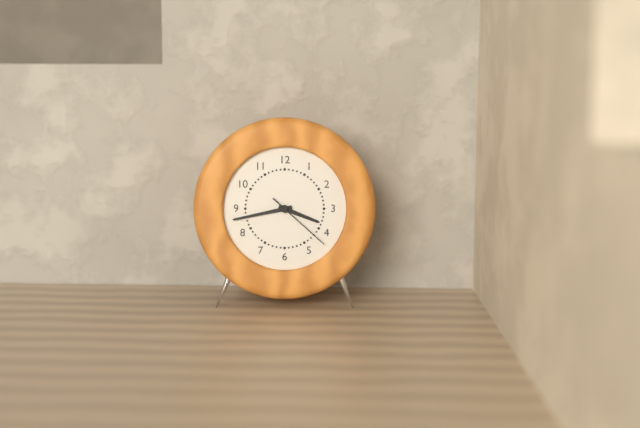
3:43:22
